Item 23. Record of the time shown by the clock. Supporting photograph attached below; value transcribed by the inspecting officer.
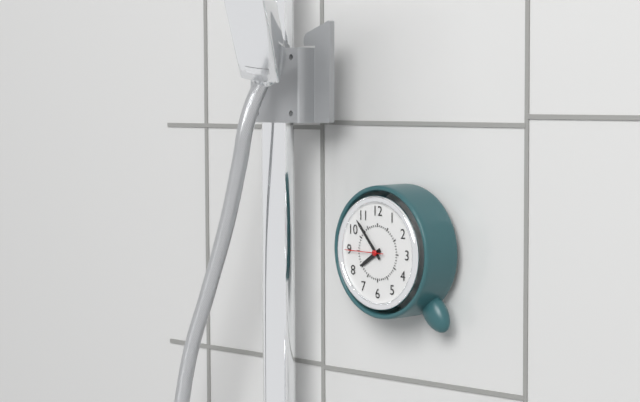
7:53
